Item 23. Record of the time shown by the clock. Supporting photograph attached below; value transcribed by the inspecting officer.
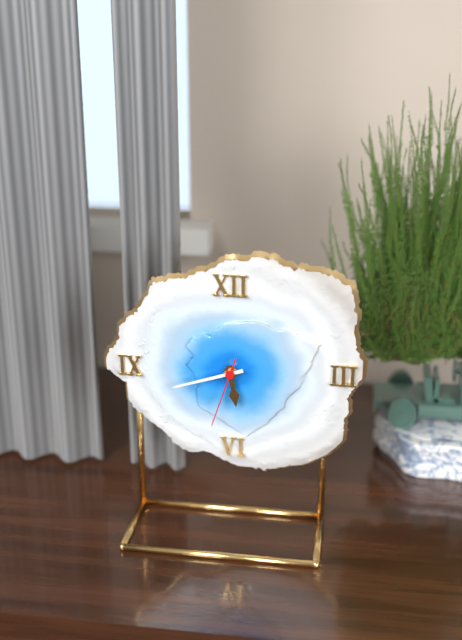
5:42:33
